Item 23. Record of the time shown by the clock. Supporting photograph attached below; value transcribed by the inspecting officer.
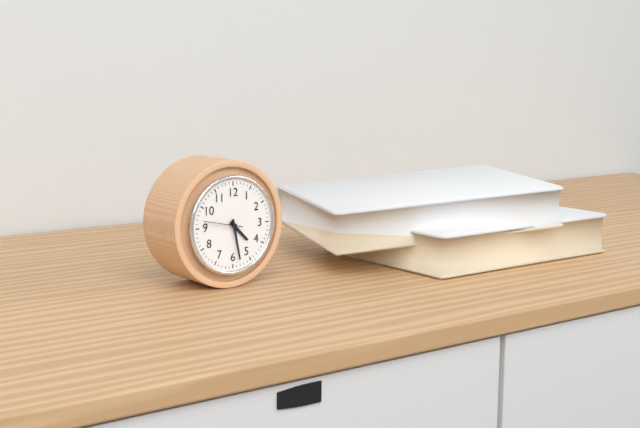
4:28
